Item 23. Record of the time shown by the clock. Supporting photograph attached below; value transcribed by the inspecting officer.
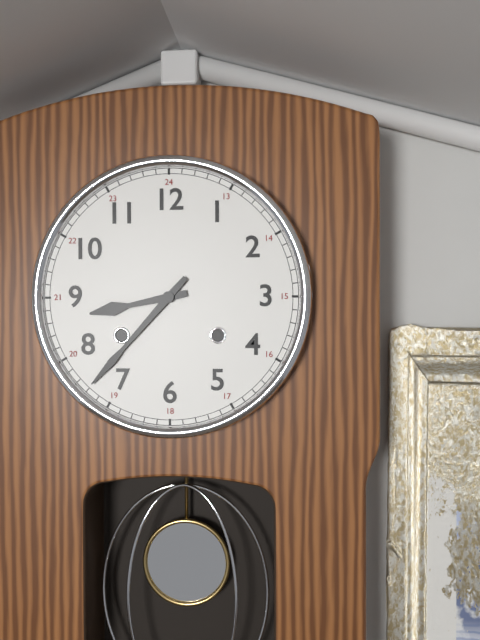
8:37
